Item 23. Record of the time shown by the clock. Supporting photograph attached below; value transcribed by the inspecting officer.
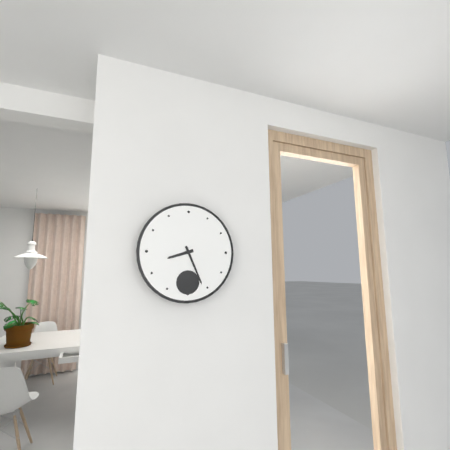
8:26
